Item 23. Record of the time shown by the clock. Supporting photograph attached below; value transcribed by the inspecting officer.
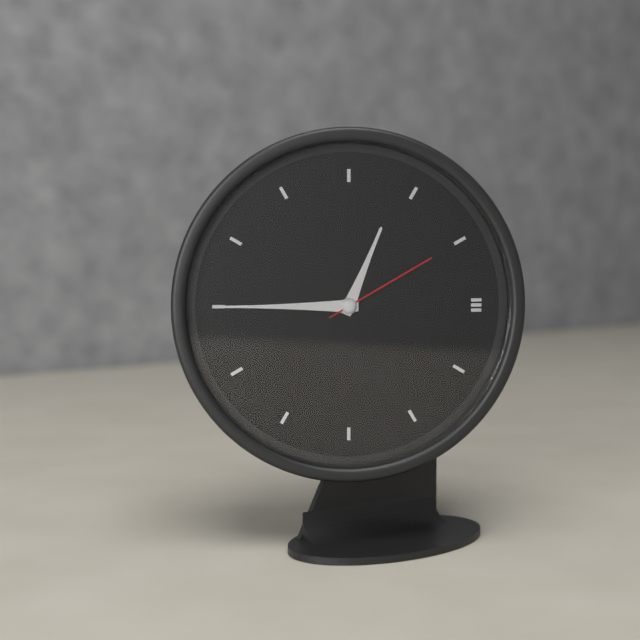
12:45:10
